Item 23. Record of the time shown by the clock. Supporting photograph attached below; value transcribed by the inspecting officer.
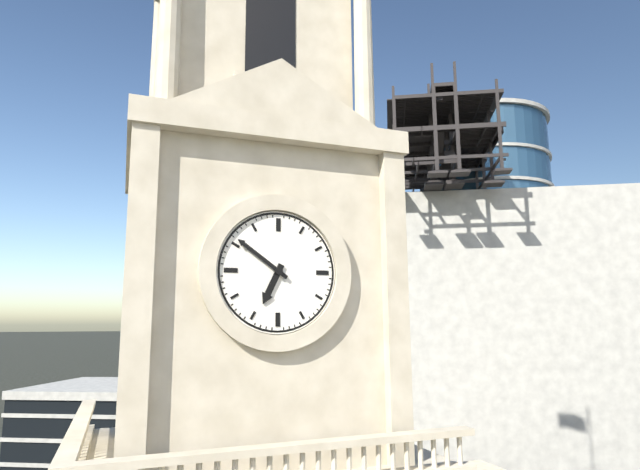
6:51
